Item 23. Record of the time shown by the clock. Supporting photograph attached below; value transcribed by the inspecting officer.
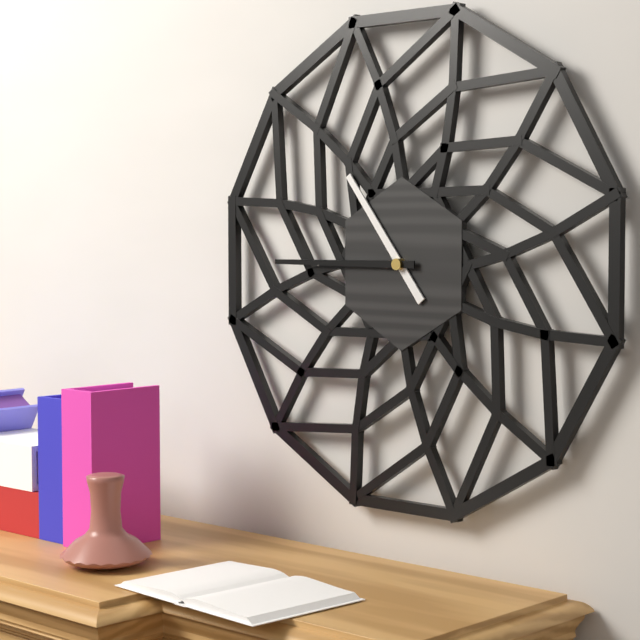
10:45
